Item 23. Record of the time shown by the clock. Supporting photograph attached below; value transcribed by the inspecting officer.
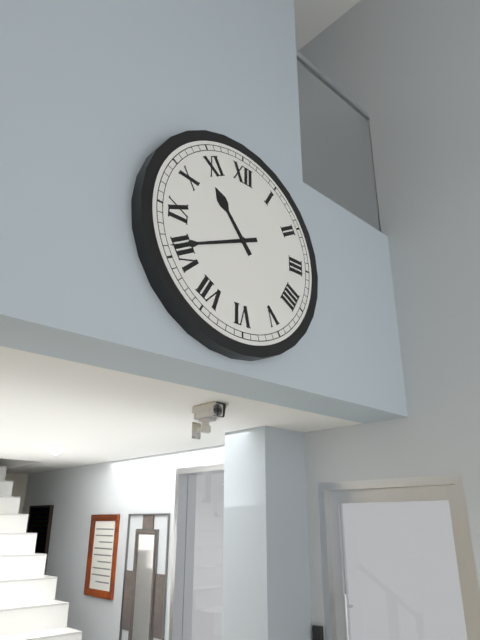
10:41
